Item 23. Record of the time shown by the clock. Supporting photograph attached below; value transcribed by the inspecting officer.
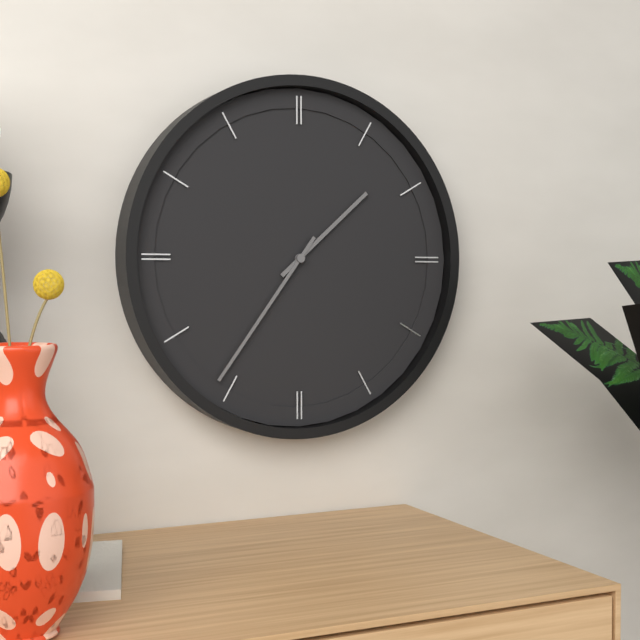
1:36
